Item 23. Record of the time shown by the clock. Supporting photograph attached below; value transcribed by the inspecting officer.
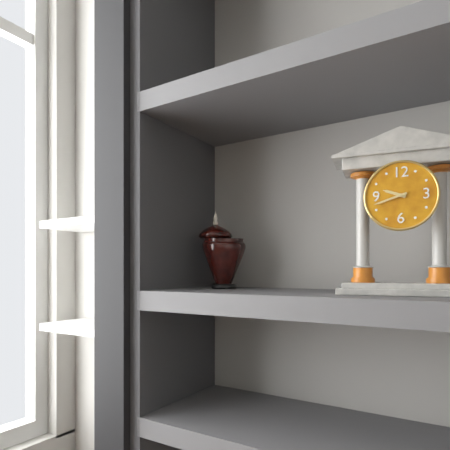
9:42
